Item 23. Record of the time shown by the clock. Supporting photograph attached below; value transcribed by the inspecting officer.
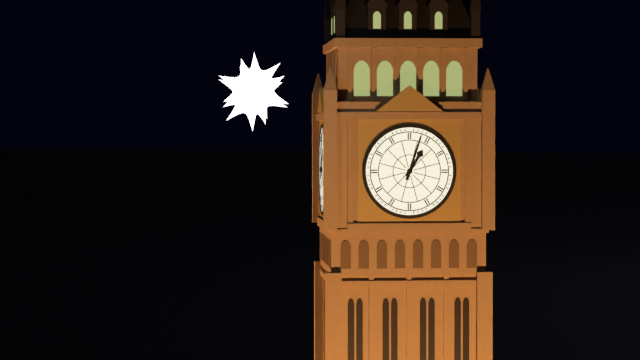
1:03
